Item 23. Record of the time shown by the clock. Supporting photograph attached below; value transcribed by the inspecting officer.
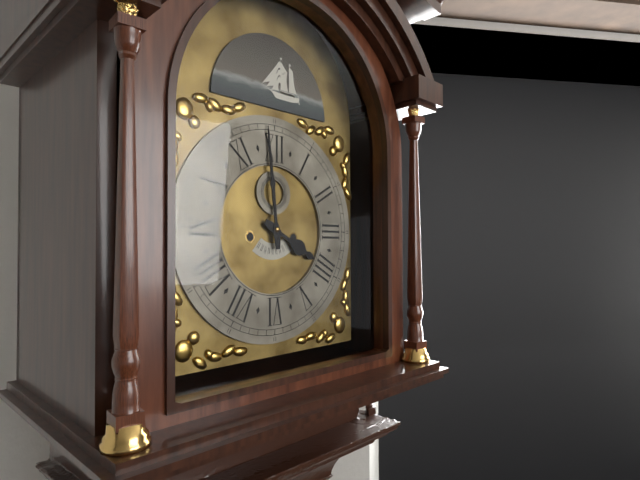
3:59
